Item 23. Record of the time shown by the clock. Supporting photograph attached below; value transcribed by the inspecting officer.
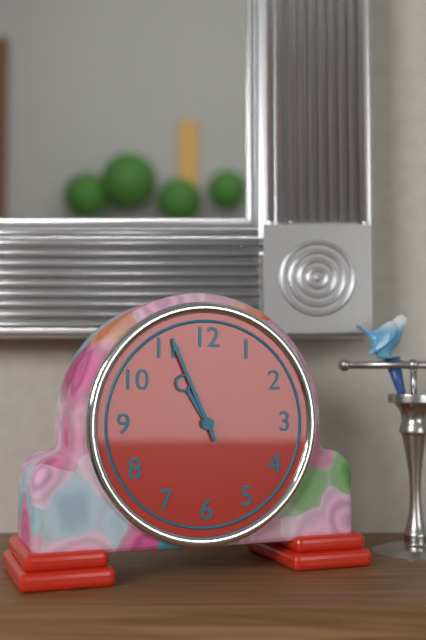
10:56
